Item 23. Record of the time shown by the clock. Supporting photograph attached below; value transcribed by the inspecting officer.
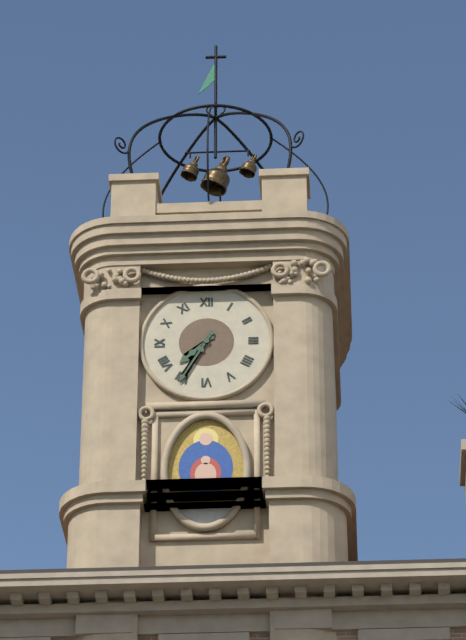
7:35
